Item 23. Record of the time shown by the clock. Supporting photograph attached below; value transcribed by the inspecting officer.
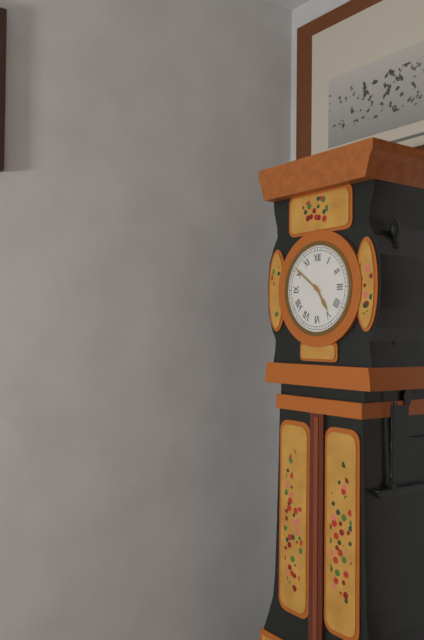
4:51
